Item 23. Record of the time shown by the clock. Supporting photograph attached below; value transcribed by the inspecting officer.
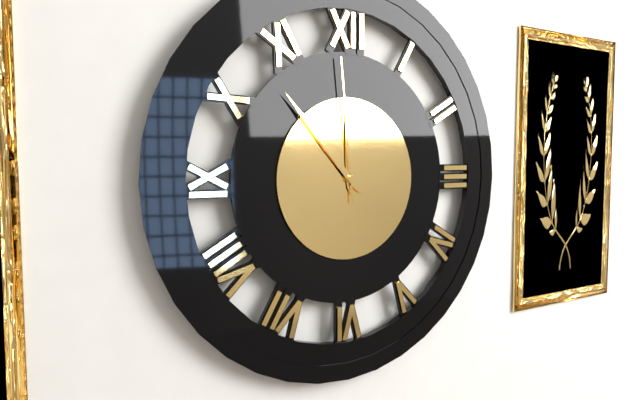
11:53:59
